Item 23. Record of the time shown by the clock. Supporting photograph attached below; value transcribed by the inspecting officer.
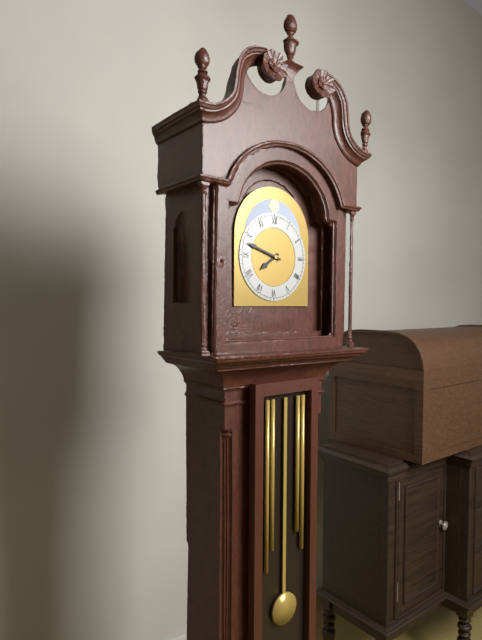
7:48
